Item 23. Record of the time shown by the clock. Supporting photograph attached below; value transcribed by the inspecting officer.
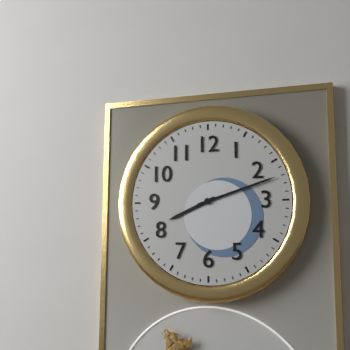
8:12
